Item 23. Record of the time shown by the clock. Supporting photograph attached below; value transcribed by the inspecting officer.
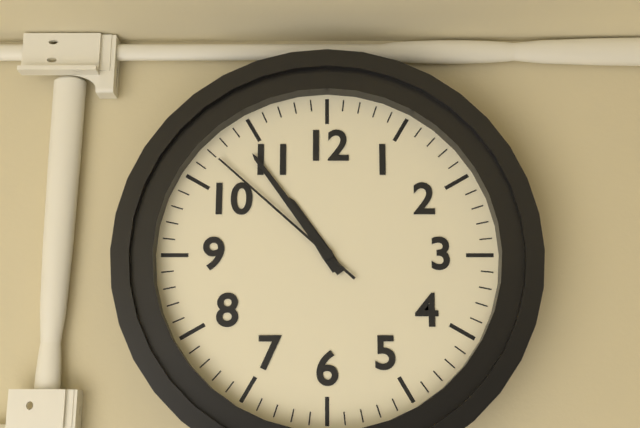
10:54:52
